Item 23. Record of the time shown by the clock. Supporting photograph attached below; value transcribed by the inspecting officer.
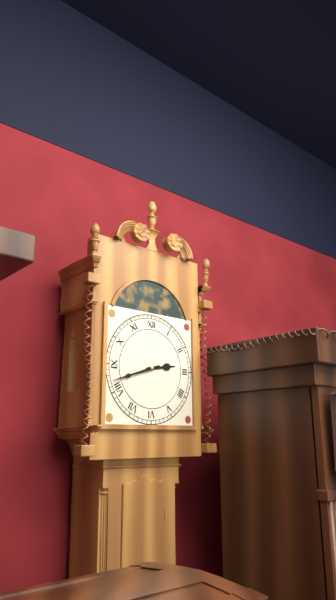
2:42
